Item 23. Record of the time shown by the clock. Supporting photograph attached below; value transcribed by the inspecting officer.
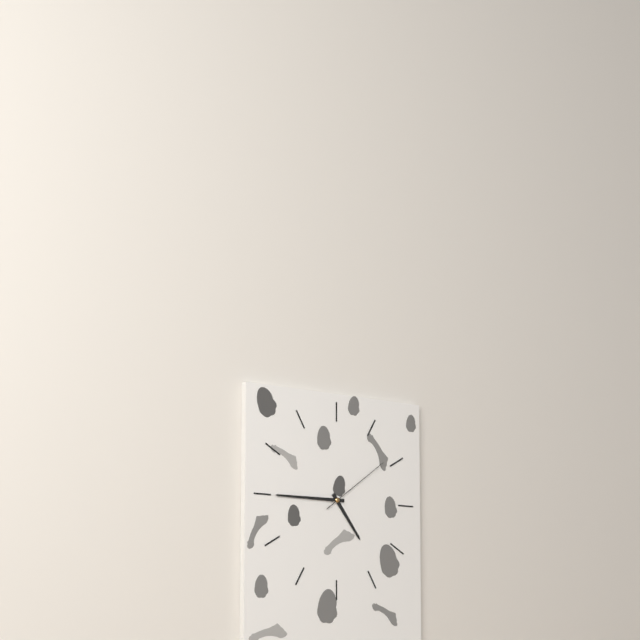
4:45:09
